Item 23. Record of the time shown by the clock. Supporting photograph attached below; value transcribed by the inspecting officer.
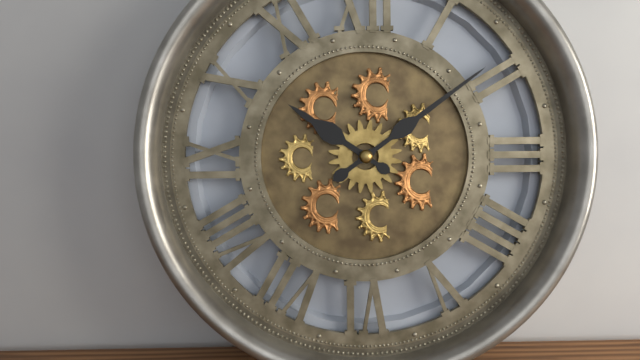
10:09
